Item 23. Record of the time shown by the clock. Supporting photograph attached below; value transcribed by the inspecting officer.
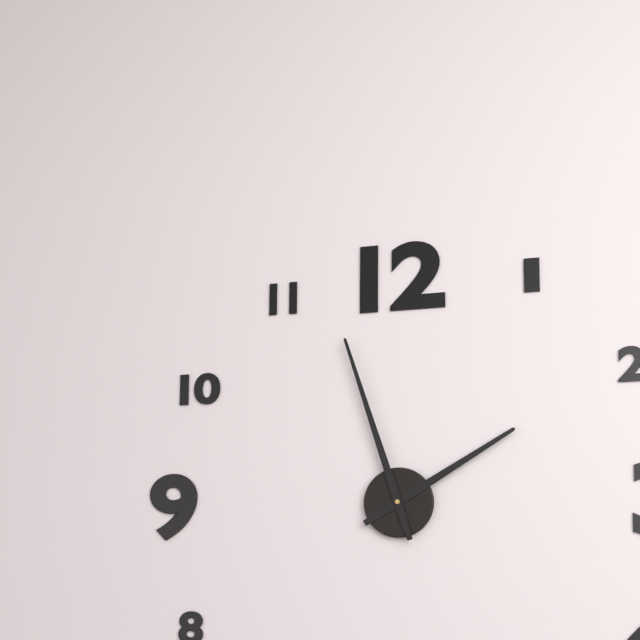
1:57
